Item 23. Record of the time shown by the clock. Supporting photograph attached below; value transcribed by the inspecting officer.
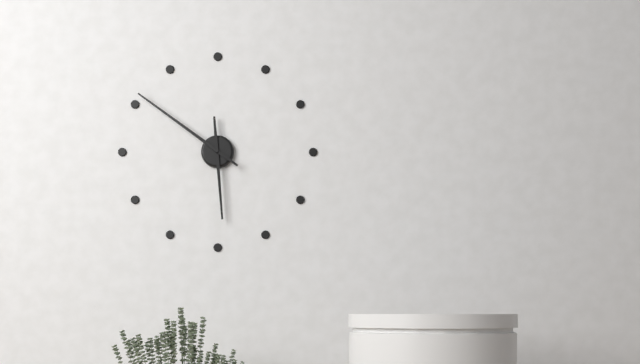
5:51
